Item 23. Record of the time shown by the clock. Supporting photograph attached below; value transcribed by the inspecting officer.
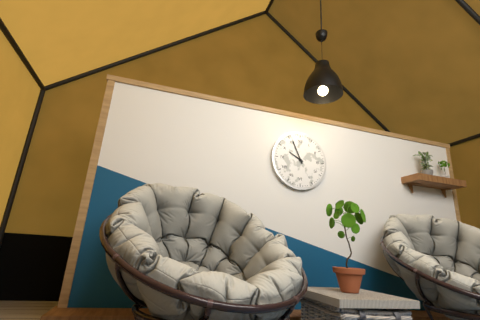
9:56
